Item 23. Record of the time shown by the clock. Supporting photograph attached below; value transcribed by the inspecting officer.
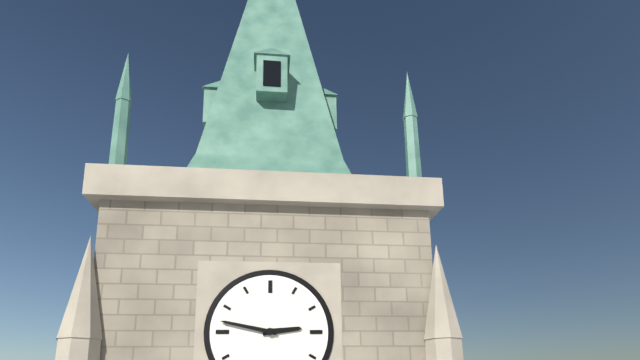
2:47
